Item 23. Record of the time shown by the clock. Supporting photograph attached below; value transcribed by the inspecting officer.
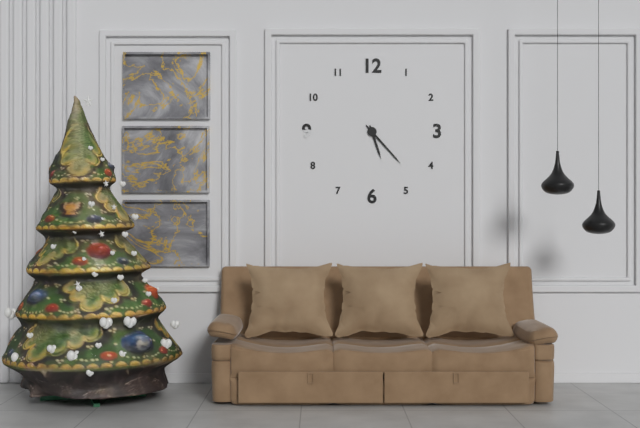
5:23
